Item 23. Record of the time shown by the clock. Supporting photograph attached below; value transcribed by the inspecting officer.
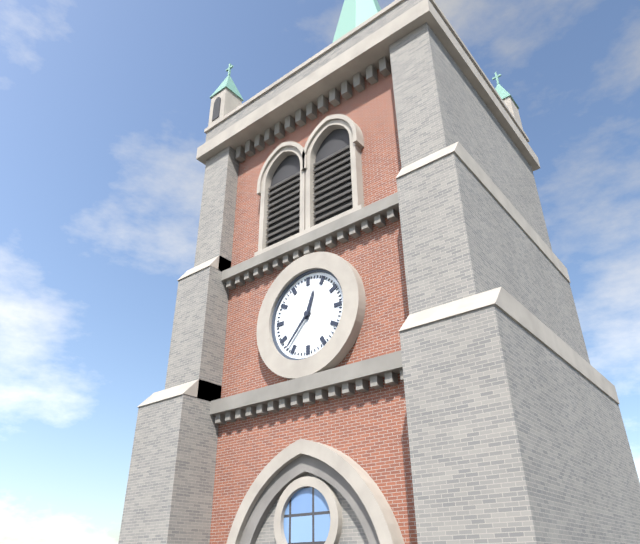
12:37
